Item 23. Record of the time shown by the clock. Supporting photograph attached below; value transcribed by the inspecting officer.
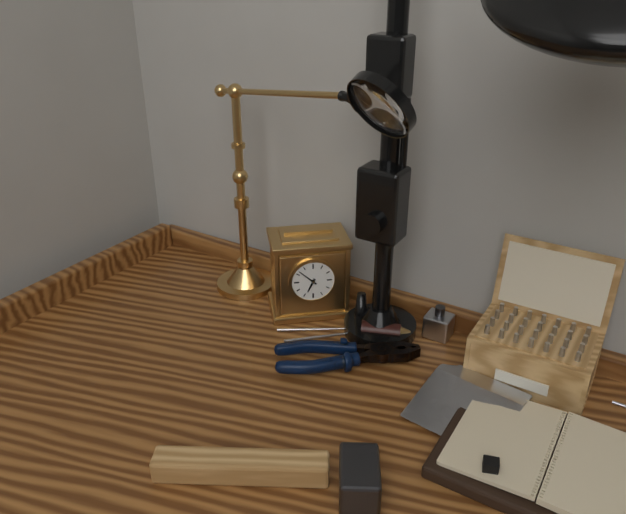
6:52
